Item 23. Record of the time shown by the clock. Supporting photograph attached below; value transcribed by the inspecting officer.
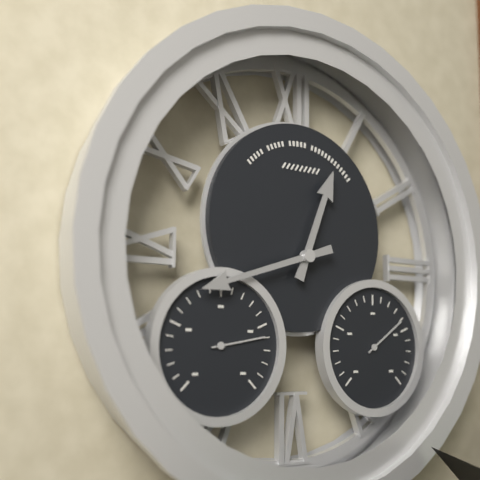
12:42
